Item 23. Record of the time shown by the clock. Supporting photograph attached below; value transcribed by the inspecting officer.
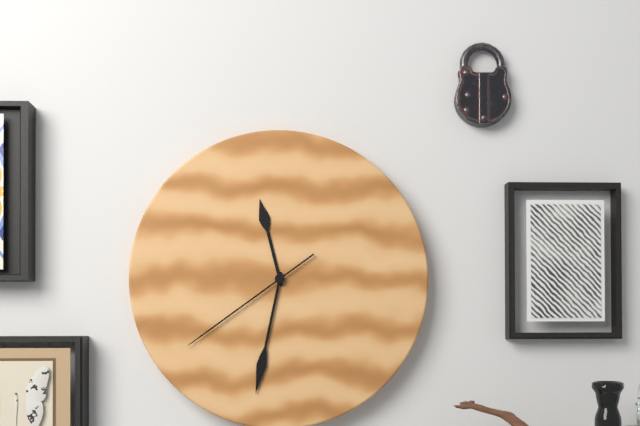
11:32:39
